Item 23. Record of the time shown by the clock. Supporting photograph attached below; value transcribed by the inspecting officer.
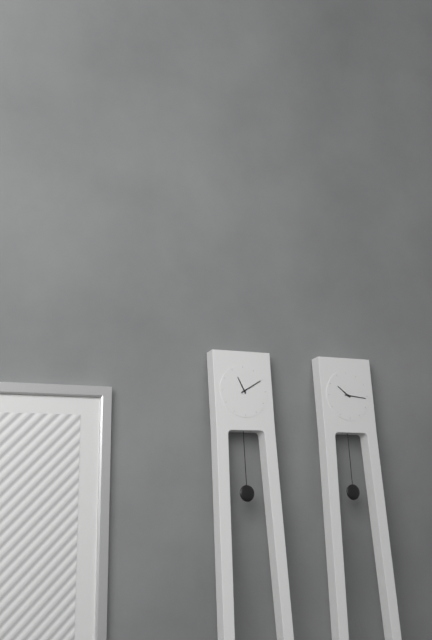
11:10
